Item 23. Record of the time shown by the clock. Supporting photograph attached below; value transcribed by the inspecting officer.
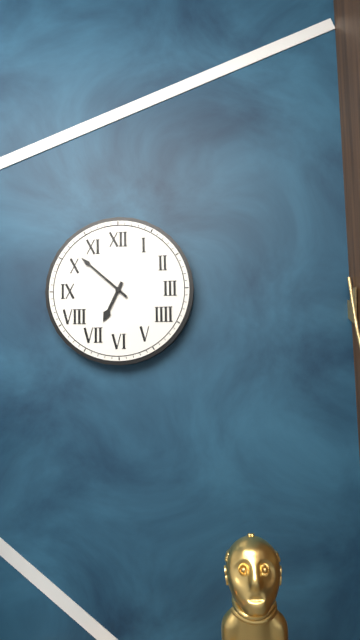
6:52
